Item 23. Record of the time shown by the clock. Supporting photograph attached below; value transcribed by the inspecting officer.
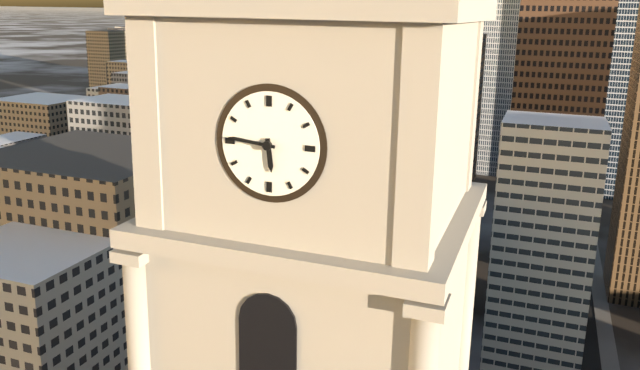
5:46
